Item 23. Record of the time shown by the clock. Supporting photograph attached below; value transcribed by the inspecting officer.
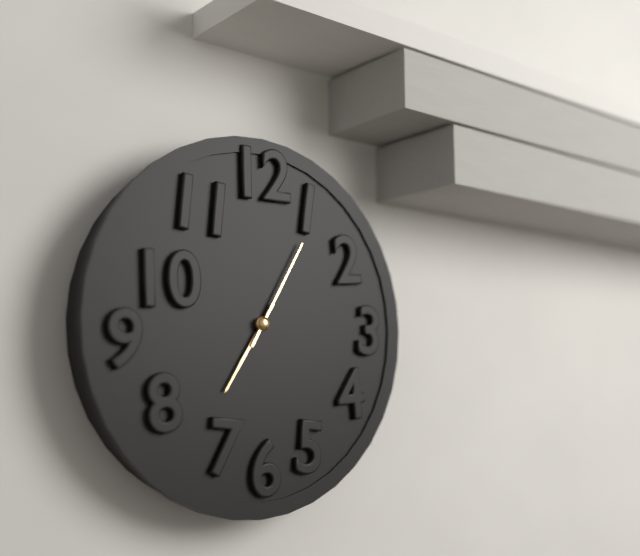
7:05
